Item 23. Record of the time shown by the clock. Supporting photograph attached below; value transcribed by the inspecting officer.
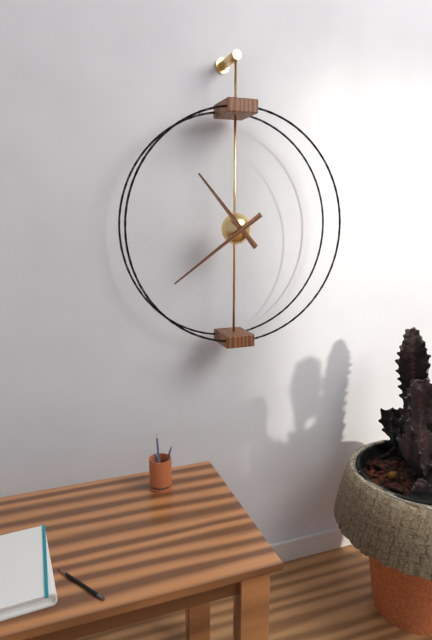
10:39
